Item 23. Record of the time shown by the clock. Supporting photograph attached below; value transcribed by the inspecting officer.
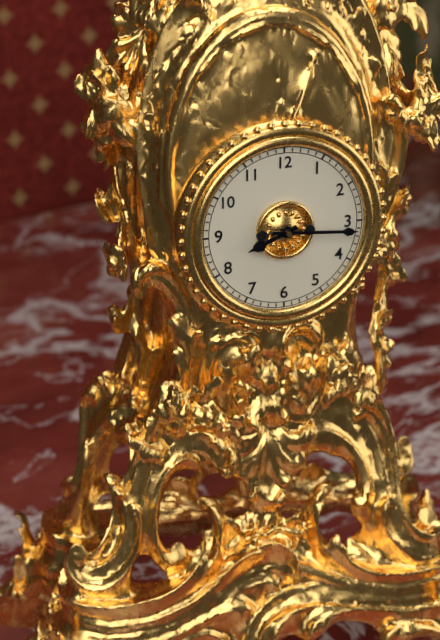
8:16
